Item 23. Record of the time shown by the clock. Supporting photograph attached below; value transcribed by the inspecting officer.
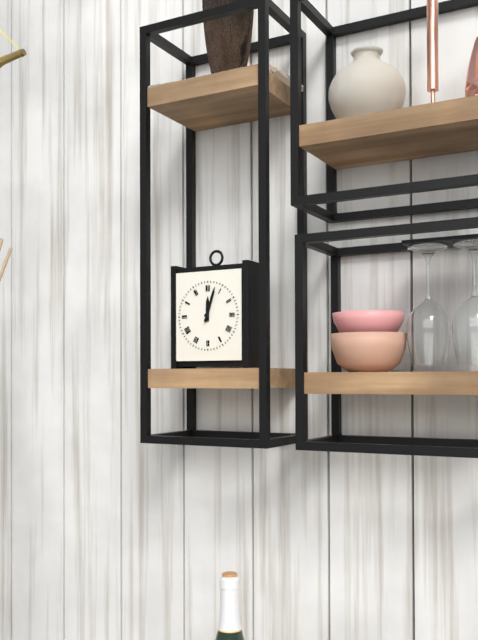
12:03
